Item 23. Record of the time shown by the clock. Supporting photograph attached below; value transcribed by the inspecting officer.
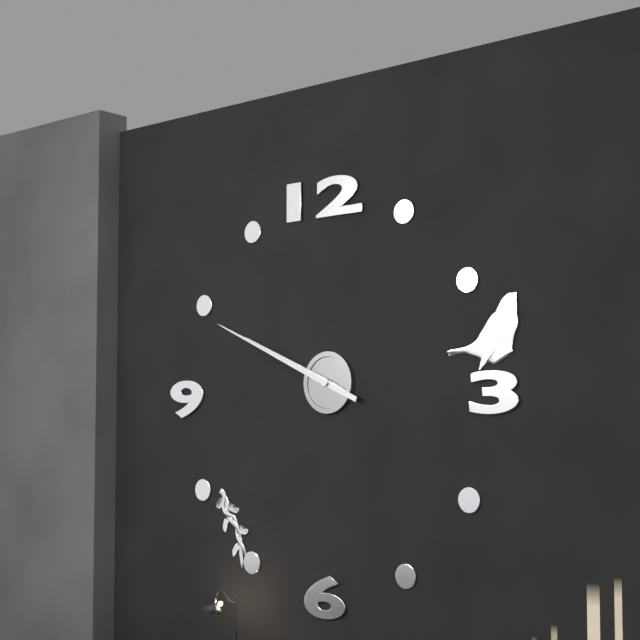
9:49
